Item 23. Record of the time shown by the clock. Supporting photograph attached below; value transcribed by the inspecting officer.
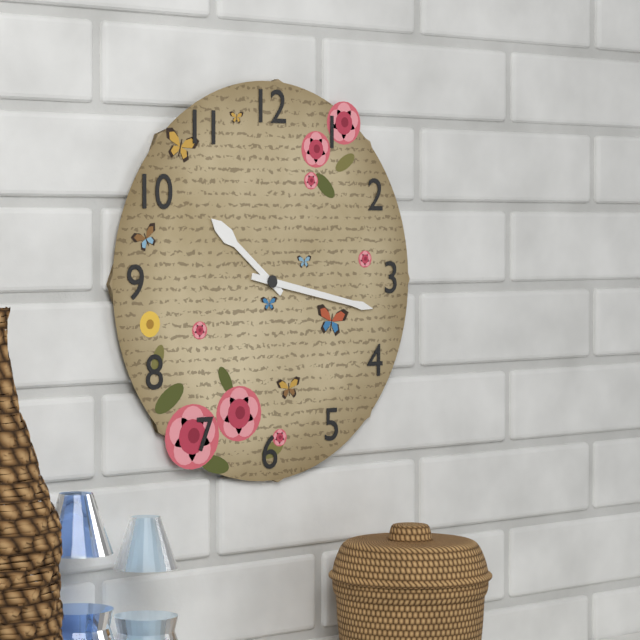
10:17
